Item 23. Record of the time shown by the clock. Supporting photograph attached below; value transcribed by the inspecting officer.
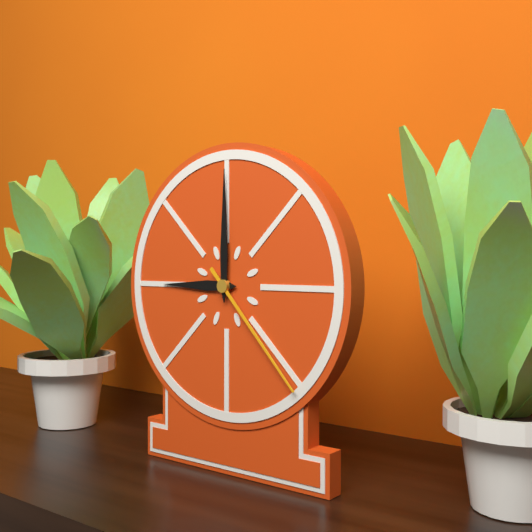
9:00:23
